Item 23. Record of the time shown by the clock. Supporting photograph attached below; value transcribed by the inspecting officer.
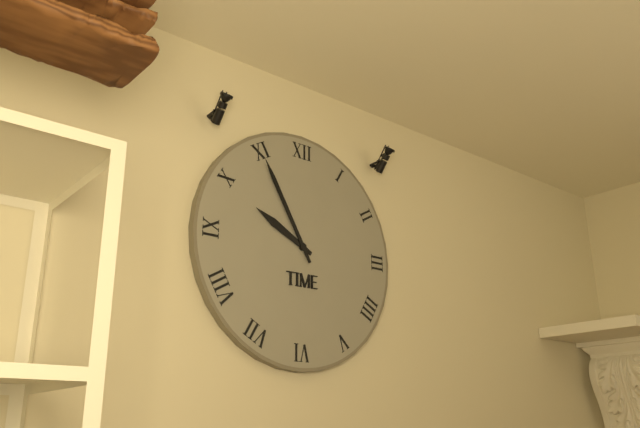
9:55
